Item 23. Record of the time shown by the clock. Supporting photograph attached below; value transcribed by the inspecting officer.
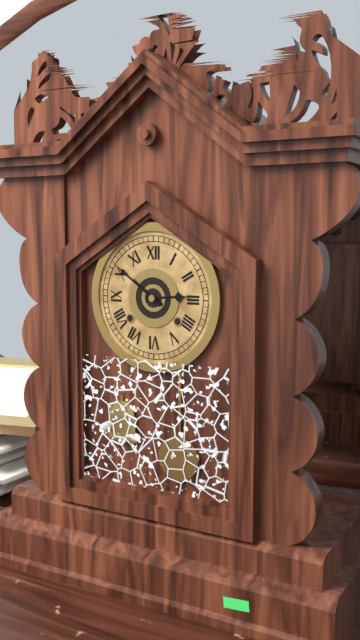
2:51
